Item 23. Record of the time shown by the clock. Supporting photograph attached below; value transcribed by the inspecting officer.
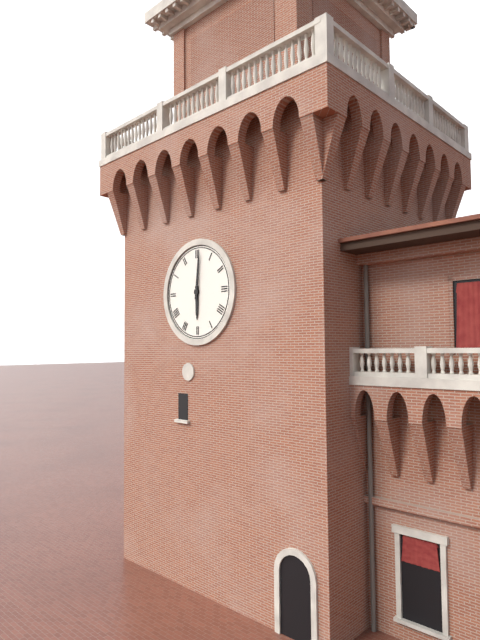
6:01
